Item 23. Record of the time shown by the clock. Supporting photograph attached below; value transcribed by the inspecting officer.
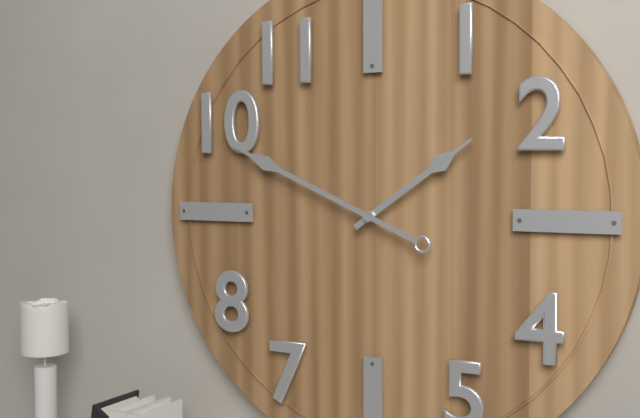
1:49
